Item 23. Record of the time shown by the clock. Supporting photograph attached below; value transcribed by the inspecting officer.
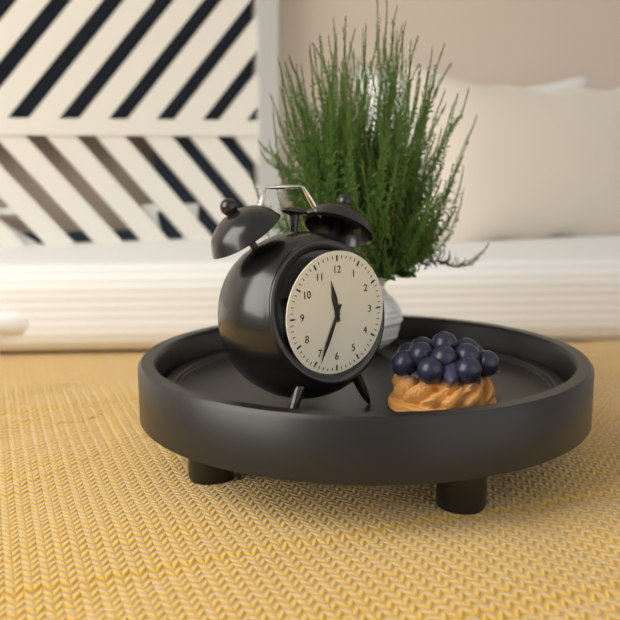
11:34
